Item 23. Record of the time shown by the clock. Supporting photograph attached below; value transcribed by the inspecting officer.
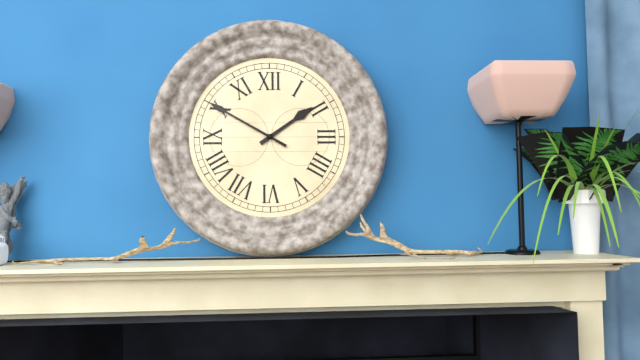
1:50
